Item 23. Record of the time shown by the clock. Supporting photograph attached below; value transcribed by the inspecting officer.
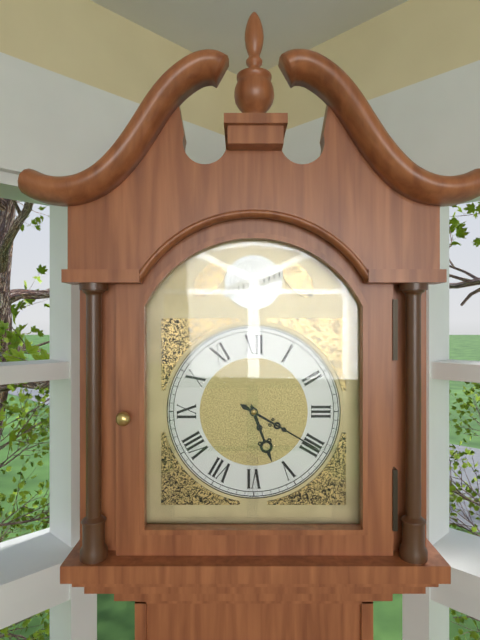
5:20
